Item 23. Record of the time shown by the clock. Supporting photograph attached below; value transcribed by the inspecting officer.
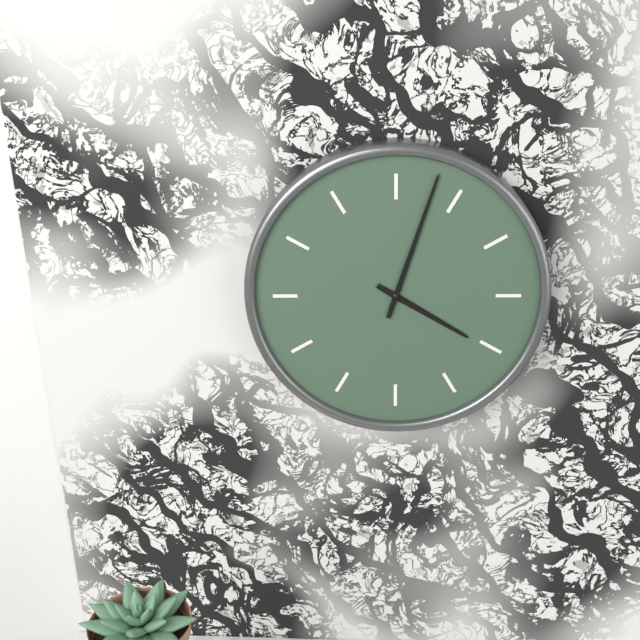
4:03
